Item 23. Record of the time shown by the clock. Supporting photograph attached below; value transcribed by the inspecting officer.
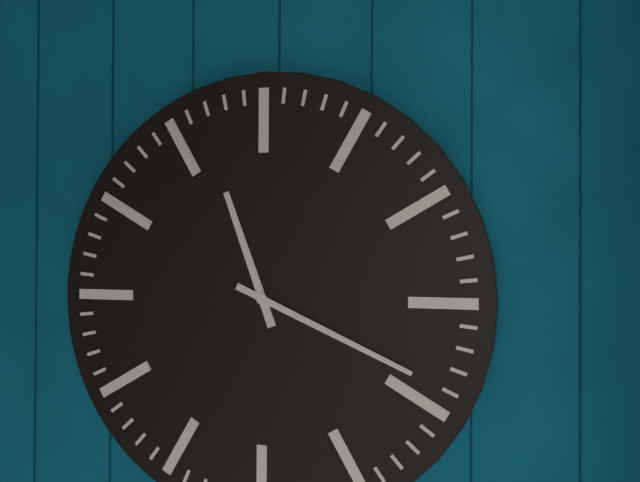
11:19
